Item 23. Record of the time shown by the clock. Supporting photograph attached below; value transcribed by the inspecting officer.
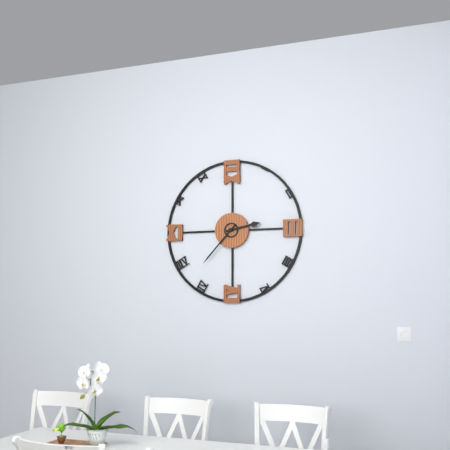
2:37
